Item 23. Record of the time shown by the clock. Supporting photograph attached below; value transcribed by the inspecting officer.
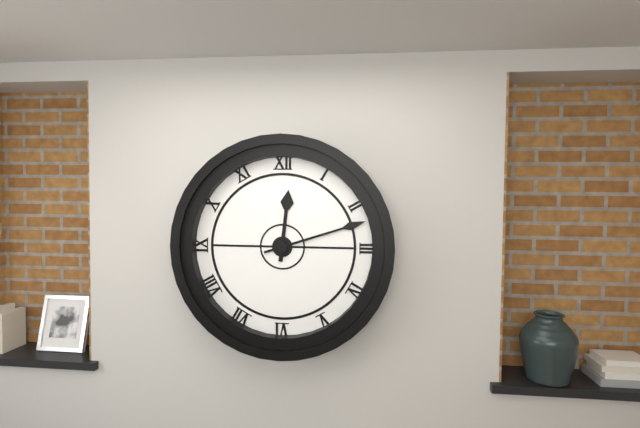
12:12
